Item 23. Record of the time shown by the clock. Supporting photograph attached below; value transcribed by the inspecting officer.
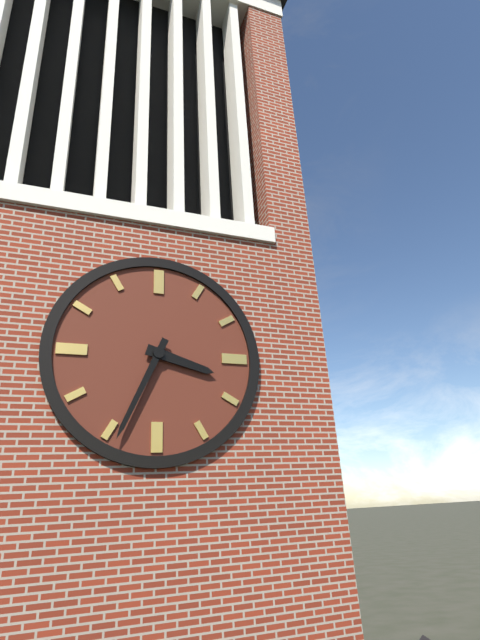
3:34
